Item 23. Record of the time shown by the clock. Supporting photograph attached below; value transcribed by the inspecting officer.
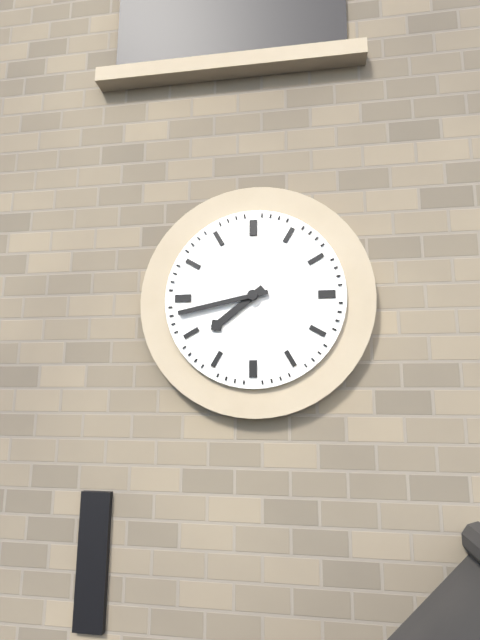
7:43
